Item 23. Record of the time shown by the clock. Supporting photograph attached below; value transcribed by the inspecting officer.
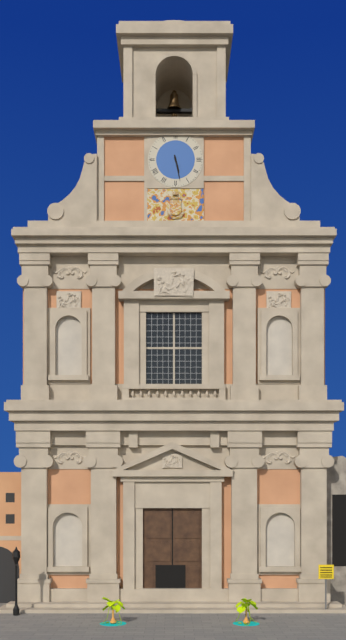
5:28
